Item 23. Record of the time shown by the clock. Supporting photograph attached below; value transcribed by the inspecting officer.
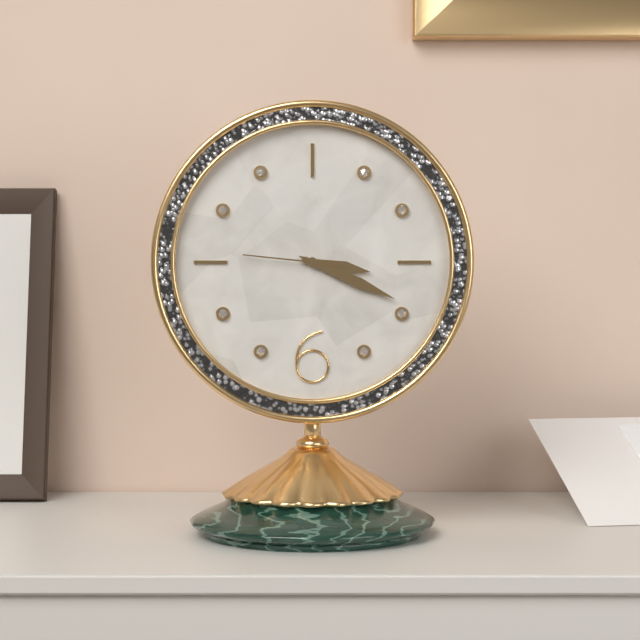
3:19:46
